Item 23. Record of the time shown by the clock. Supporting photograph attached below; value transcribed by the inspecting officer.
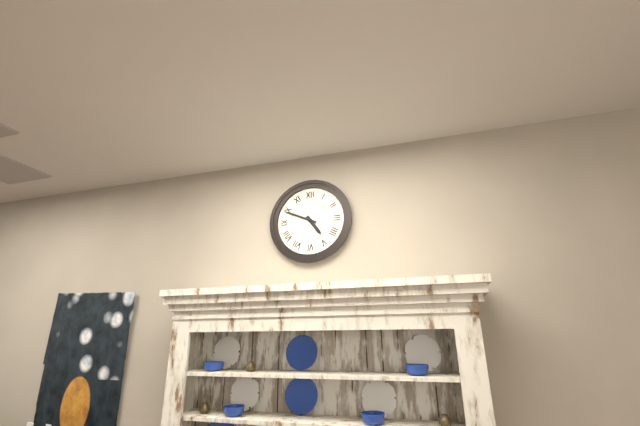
4:49
